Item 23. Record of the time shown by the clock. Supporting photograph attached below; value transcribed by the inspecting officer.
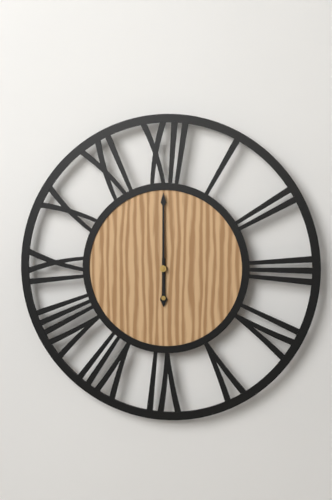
6:00
